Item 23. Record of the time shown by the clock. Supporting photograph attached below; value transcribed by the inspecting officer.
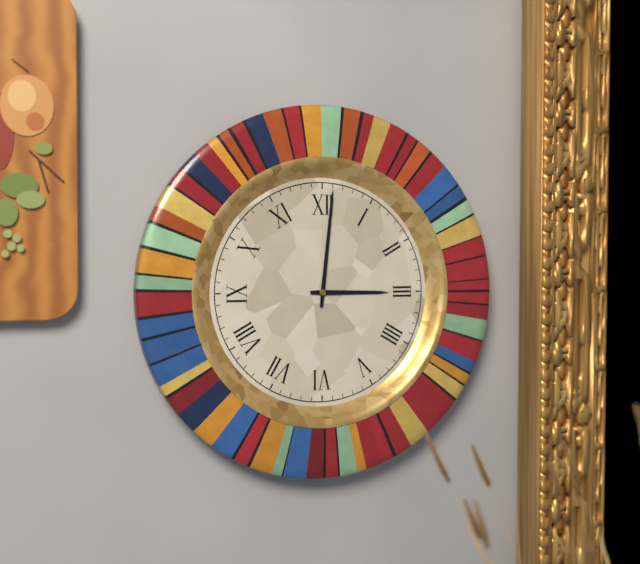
3:01
